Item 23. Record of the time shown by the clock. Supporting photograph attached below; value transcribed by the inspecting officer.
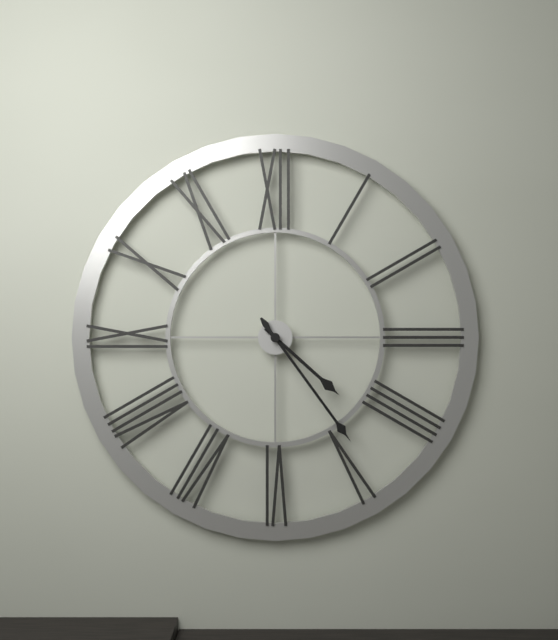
4:24
